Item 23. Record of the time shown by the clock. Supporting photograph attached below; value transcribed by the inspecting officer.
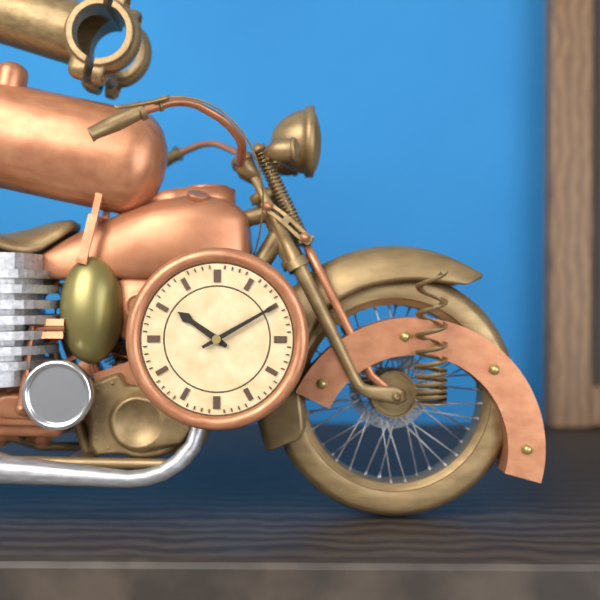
10:10
